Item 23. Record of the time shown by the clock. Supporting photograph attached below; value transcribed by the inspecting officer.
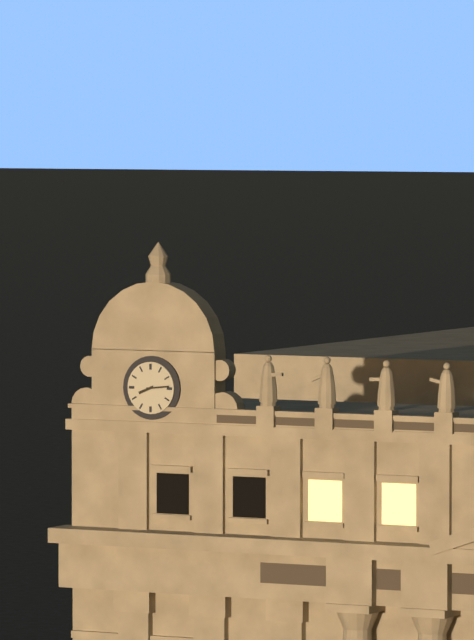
8:14
